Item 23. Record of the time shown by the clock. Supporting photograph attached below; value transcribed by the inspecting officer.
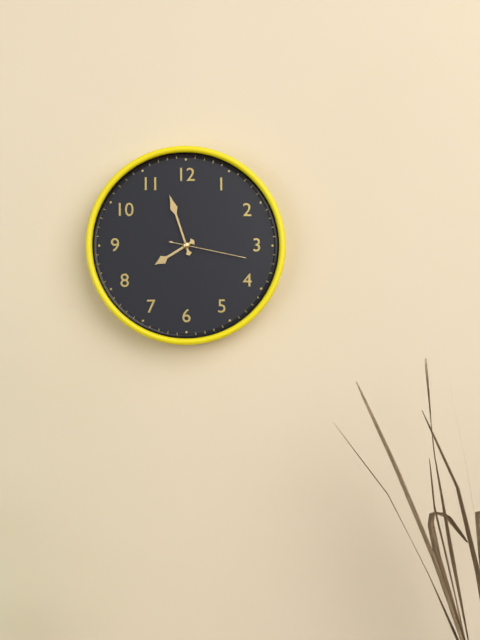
7:57:17
